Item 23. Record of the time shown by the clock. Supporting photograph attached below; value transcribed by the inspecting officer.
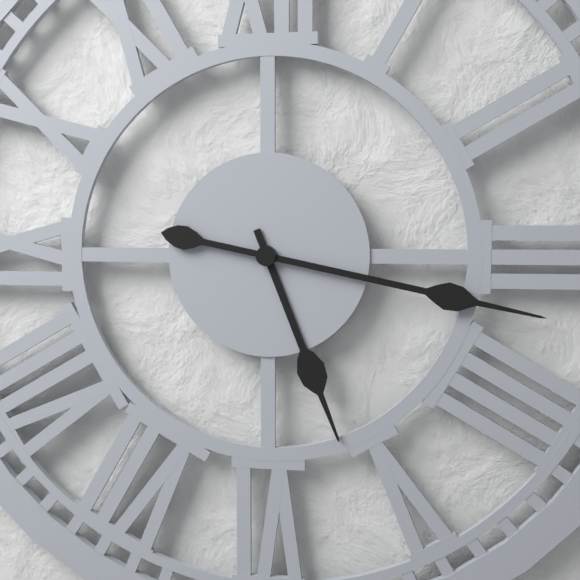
5:17
